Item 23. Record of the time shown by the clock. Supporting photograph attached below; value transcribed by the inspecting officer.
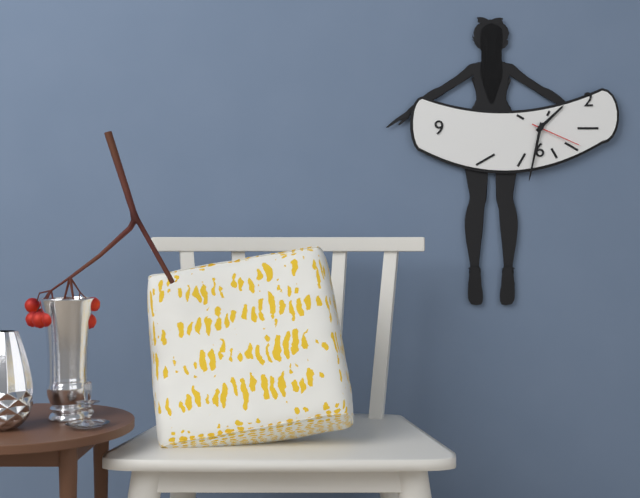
1:32:19
